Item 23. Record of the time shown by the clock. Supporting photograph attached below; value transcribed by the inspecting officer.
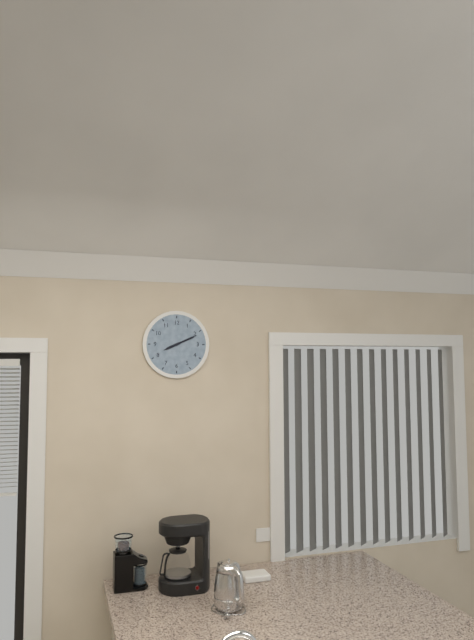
8:11
